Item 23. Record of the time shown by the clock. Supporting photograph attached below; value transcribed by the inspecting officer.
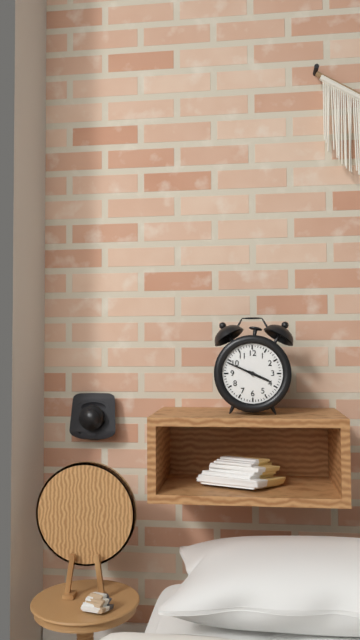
3:49
